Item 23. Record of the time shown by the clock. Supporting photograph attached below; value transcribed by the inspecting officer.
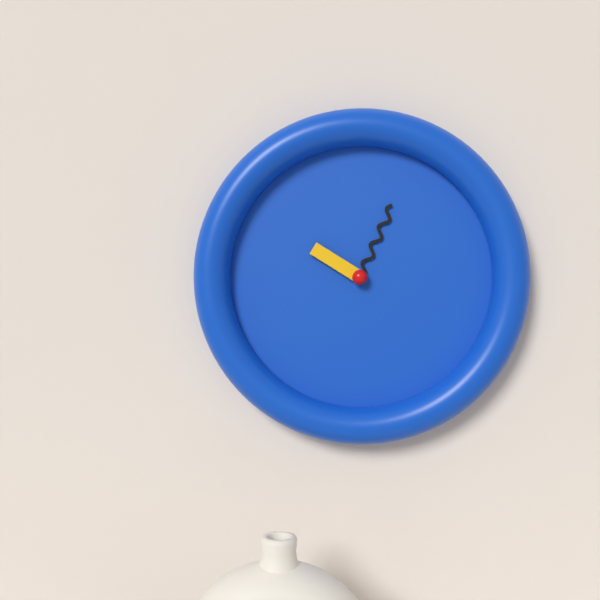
10:04
